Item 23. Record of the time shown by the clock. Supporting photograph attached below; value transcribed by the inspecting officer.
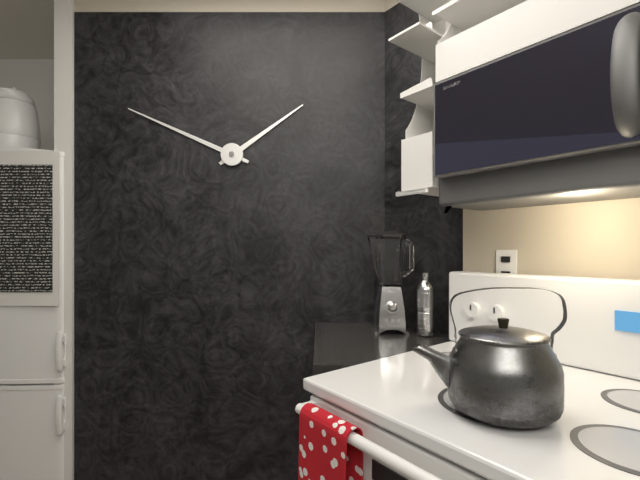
1:49
